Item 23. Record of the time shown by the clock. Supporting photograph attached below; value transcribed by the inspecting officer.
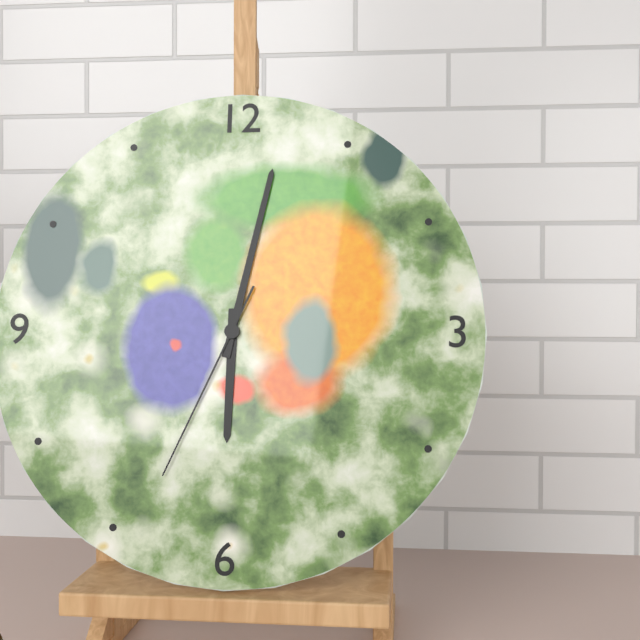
6:02:34
